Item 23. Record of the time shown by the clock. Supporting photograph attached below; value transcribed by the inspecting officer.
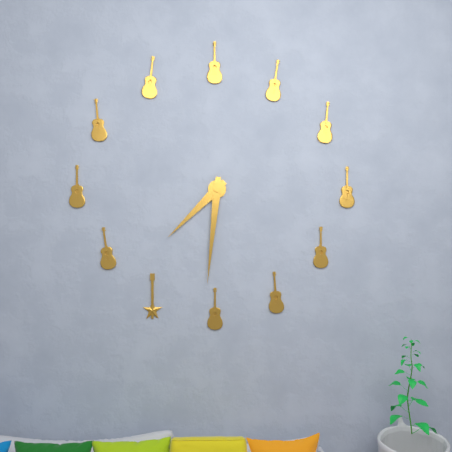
7:31
